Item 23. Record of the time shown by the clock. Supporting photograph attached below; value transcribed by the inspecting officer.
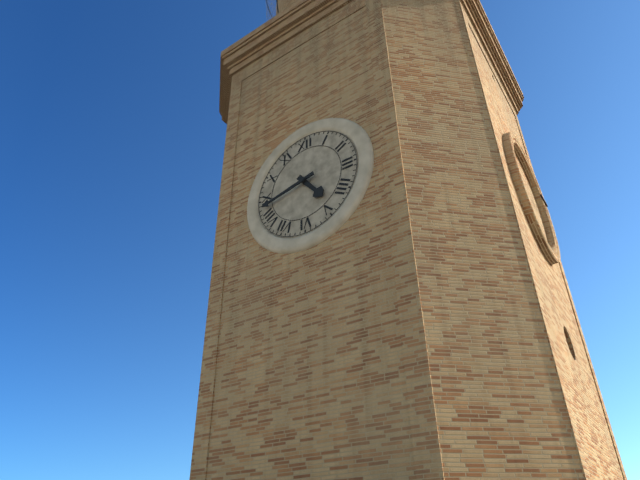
4:43
